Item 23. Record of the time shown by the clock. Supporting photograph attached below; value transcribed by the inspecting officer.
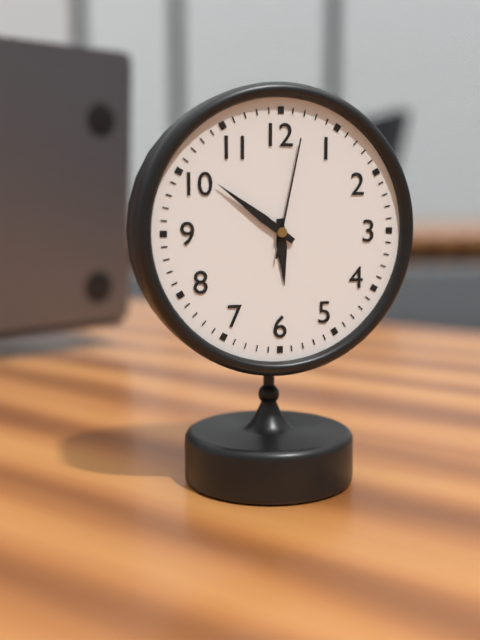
5:51:02
